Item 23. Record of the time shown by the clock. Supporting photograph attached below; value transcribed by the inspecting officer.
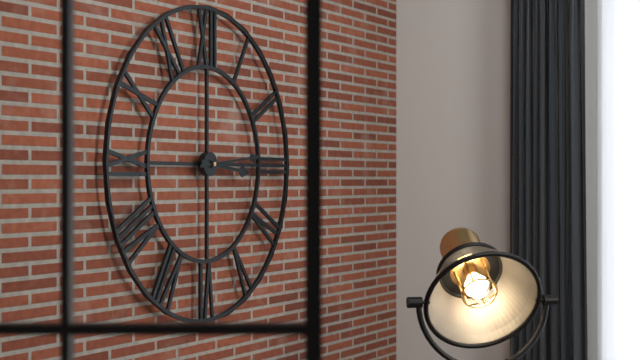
3:14
